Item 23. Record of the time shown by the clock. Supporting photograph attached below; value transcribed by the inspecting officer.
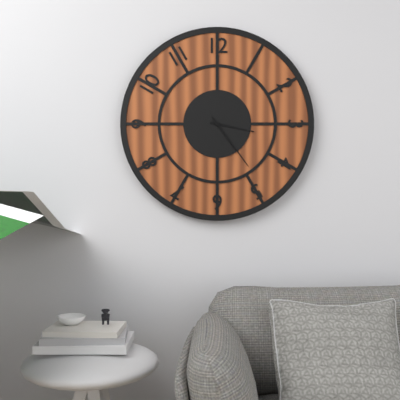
3:24
